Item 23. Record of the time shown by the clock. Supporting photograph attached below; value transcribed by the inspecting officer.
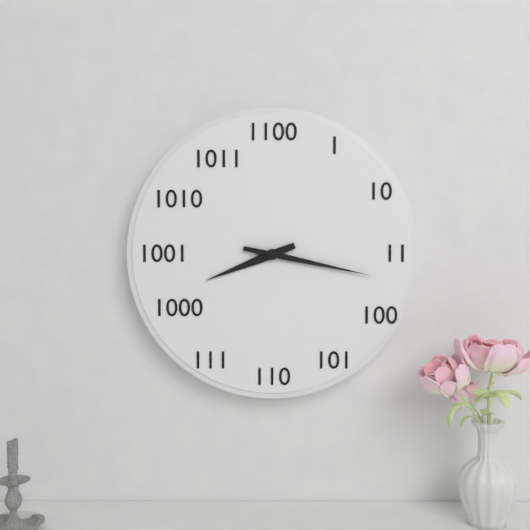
8:17
